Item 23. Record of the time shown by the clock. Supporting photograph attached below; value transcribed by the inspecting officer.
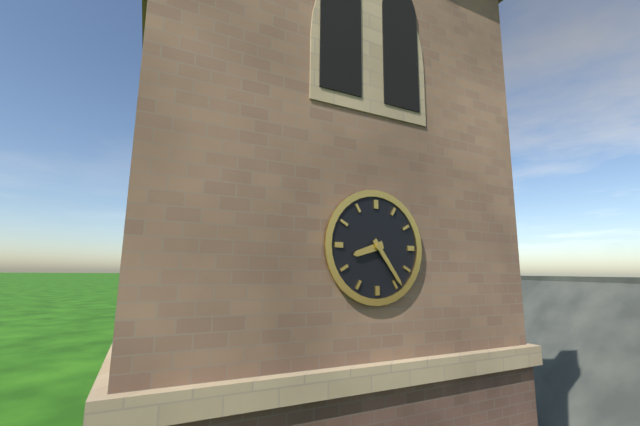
8:24
